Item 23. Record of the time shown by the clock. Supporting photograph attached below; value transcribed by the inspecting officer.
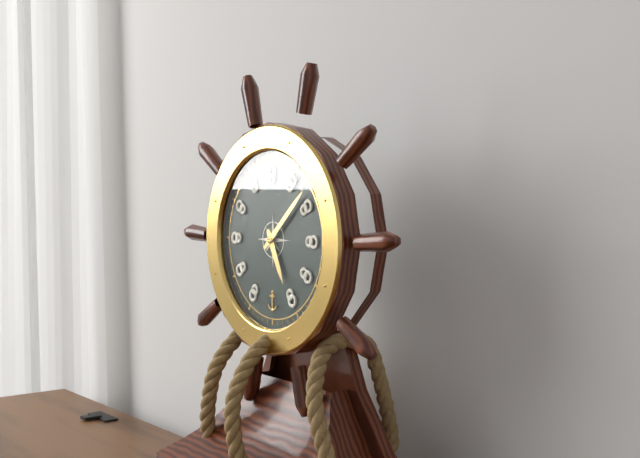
5:08
